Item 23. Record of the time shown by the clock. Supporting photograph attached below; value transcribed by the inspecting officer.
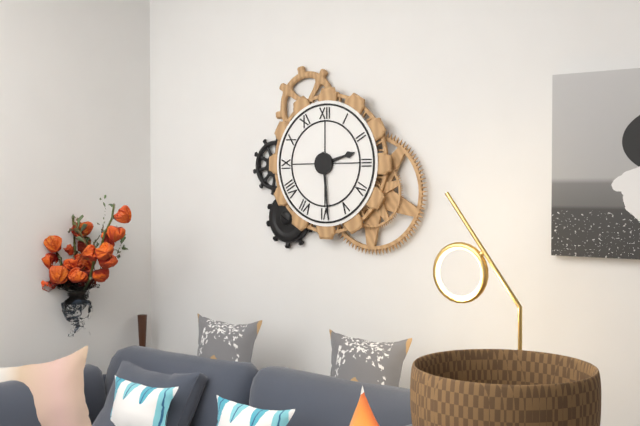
2:29
